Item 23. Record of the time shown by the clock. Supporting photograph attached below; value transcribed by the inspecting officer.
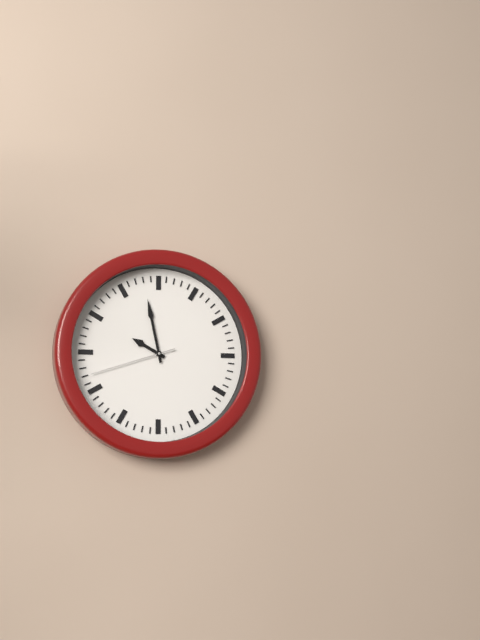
9:58:42
